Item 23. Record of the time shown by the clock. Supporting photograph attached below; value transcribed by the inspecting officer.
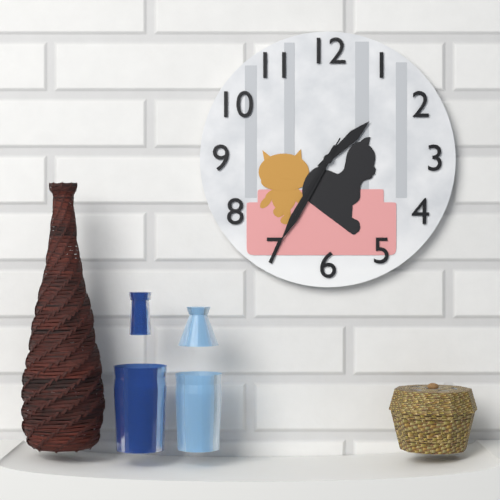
1:35:35
